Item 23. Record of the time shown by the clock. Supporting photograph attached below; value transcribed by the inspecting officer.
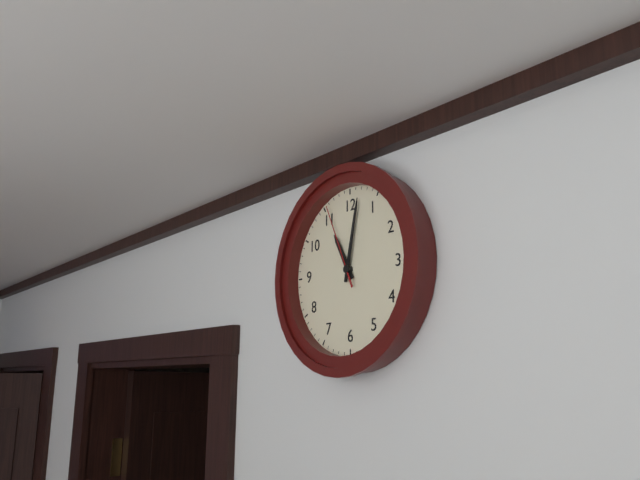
11:02:56
